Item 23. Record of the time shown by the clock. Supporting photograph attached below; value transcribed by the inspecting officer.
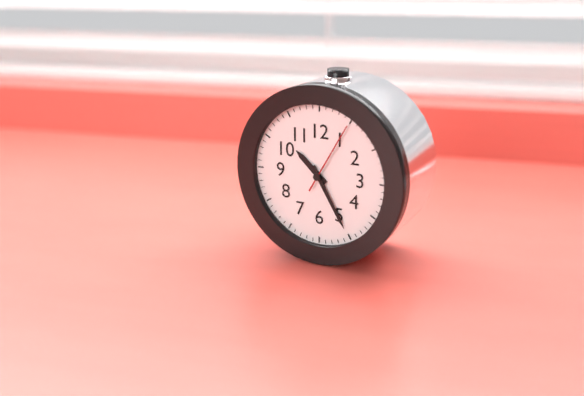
10:25:05
